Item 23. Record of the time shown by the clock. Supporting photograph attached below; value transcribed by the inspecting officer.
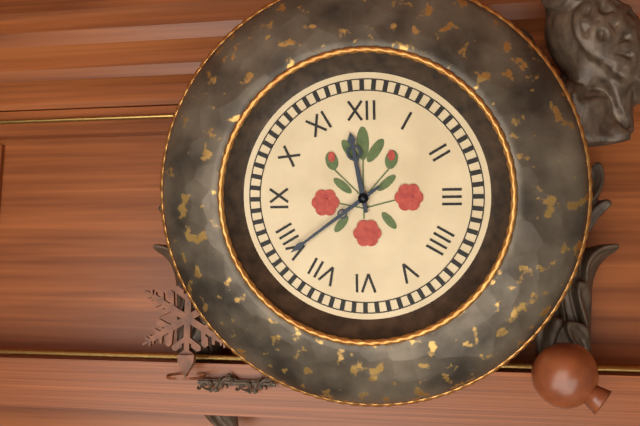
11:39
